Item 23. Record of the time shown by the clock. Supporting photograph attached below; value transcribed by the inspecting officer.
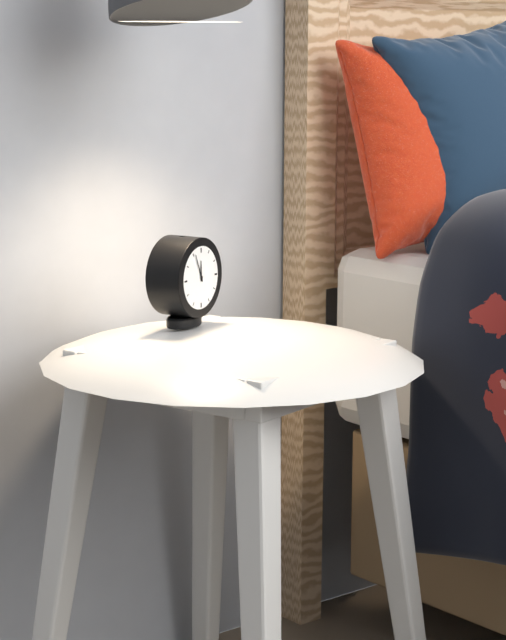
11:56
